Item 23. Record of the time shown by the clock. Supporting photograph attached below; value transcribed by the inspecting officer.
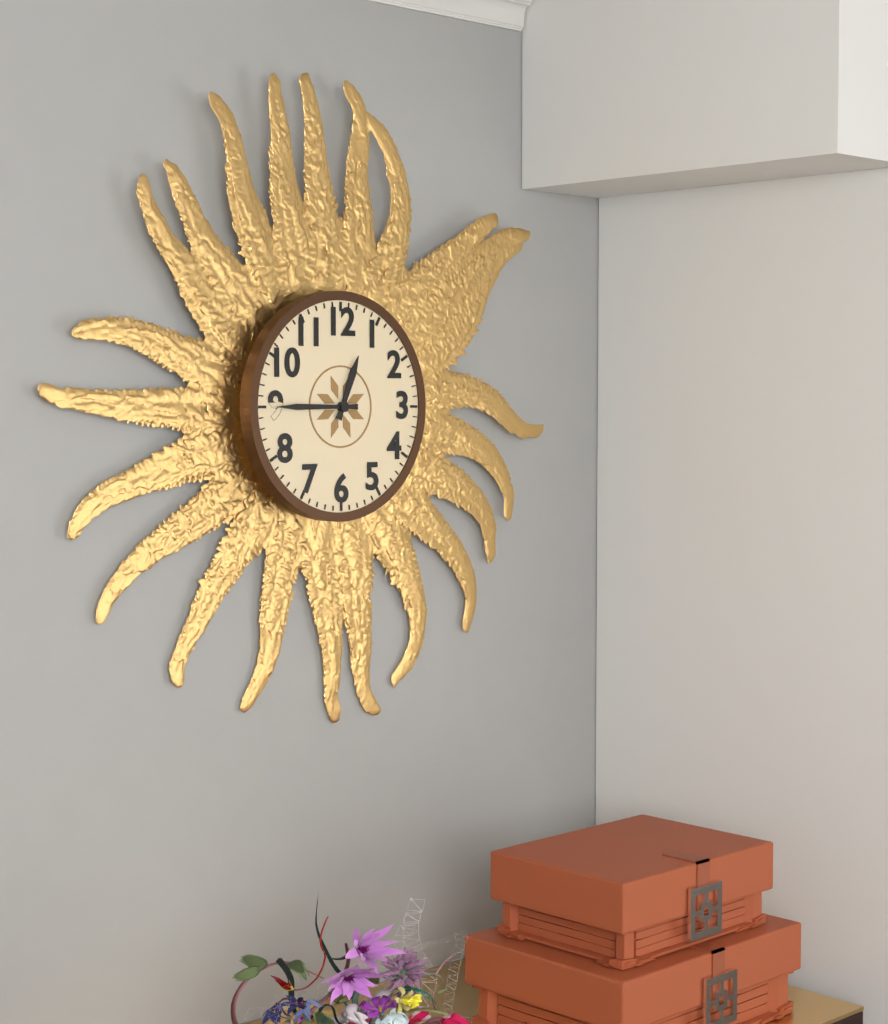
12:45
